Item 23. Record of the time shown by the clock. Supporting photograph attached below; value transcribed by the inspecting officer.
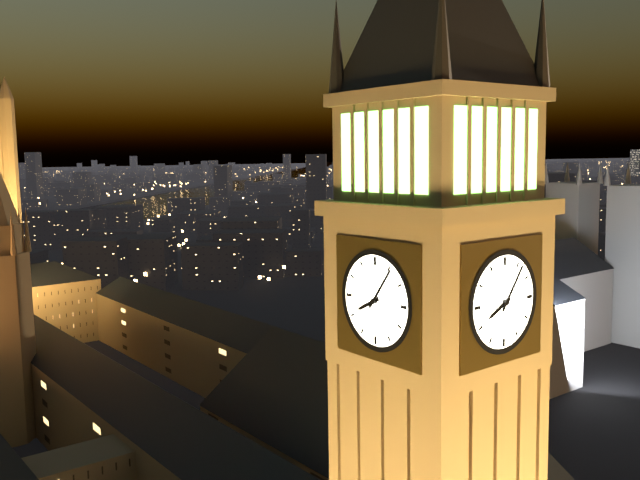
8:06
